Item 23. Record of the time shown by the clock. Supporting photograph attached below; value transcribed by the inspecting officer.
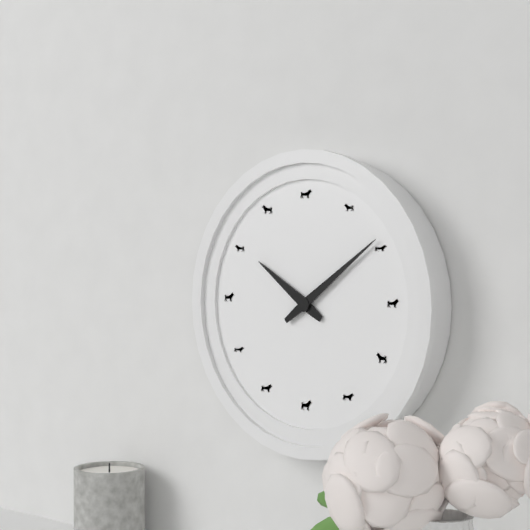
10:09
